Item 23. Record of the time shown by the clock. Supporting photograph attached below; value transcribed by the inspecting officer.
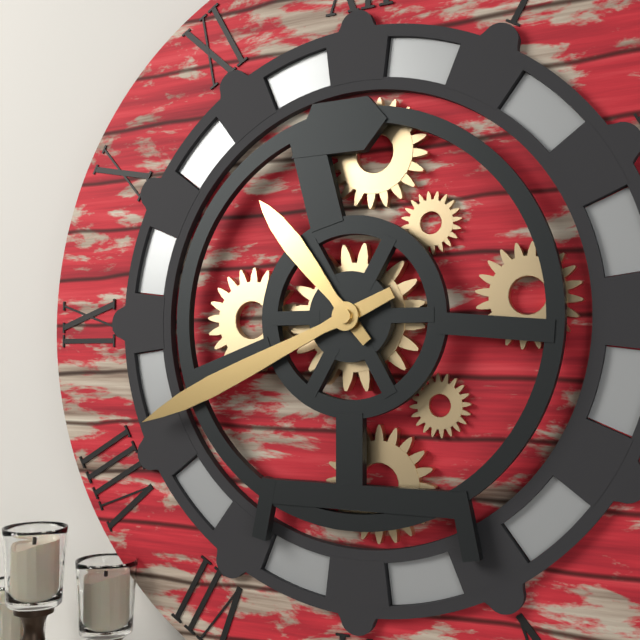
10:41
